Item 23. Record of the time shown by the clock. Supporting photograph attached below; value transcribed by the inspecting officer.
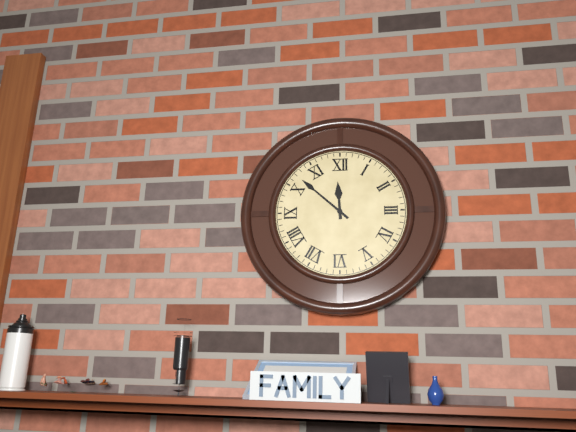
11:52
